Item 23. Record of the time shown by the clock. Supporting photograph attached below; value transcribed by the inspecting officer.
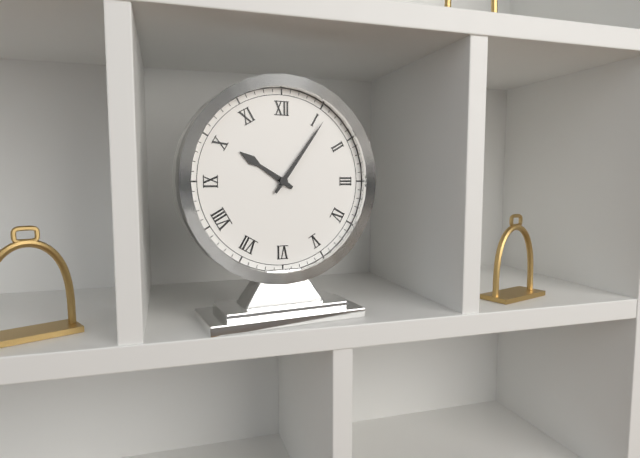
10:06
